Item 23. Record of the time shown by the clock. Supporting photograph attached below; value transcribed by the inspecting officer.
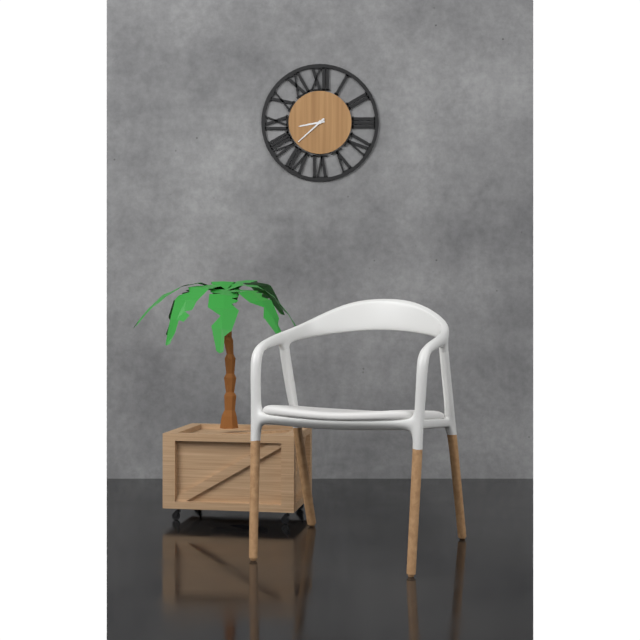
8:38
